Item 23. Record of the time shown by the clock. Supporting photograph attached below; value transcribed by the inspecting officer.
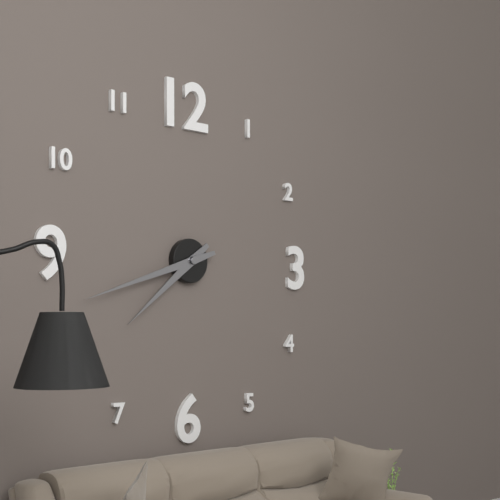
7:42
